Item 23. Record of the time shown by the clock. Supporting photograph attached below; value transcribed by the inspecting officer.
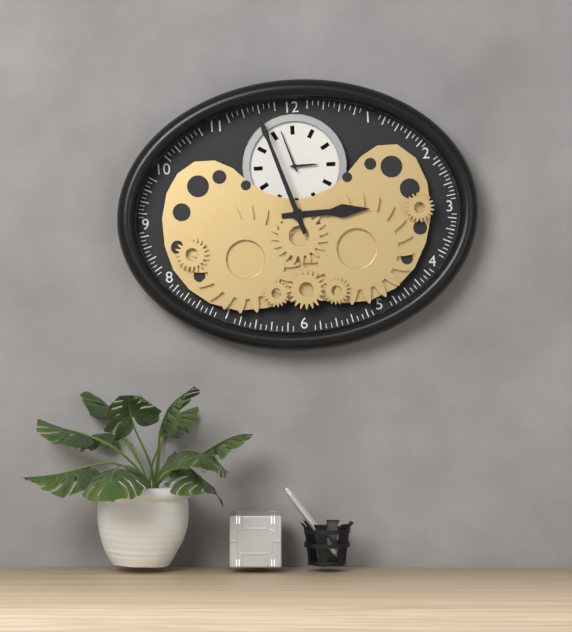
2:57
